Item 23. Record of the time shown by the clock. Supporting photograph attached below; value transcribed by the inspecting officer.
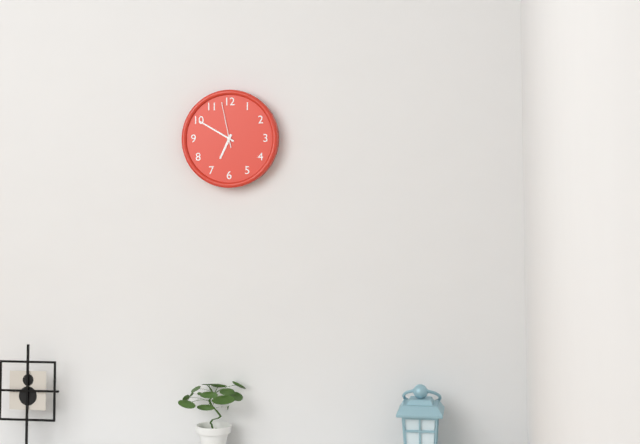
6:50
